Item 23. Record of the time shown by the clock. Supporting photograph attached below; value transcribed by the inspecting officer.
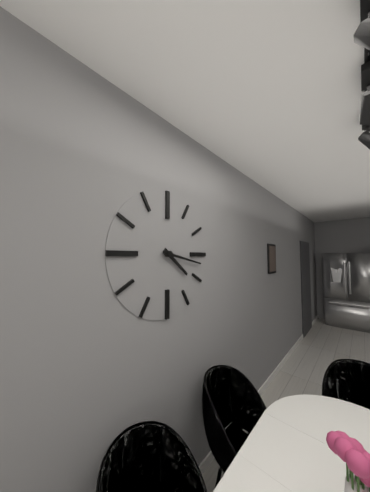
4:17
